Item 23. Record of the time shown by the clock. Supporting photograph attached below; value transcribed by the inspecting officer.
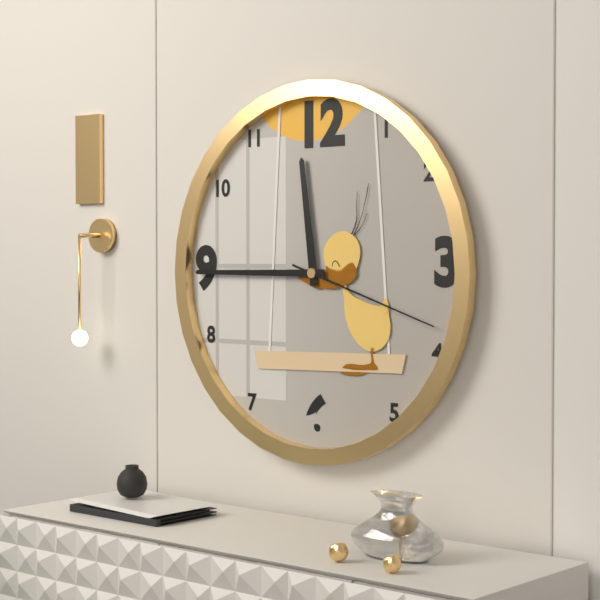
11:45:18
